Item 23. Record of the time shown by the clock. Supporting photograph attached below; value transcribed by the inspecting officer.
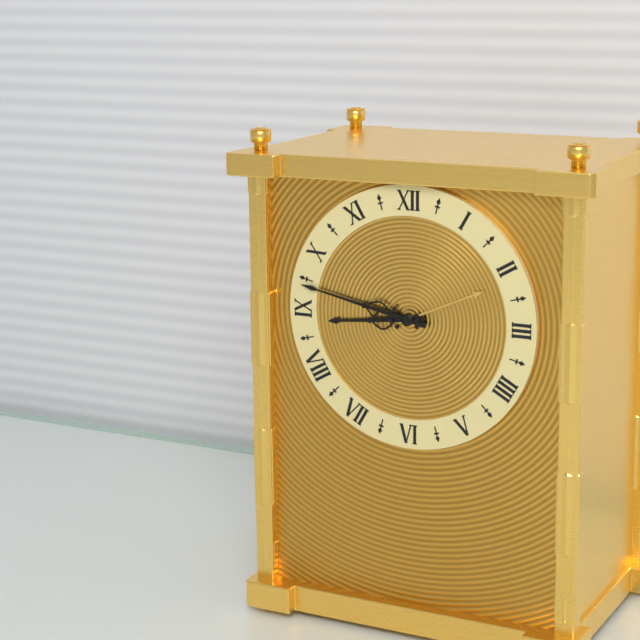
8:47
